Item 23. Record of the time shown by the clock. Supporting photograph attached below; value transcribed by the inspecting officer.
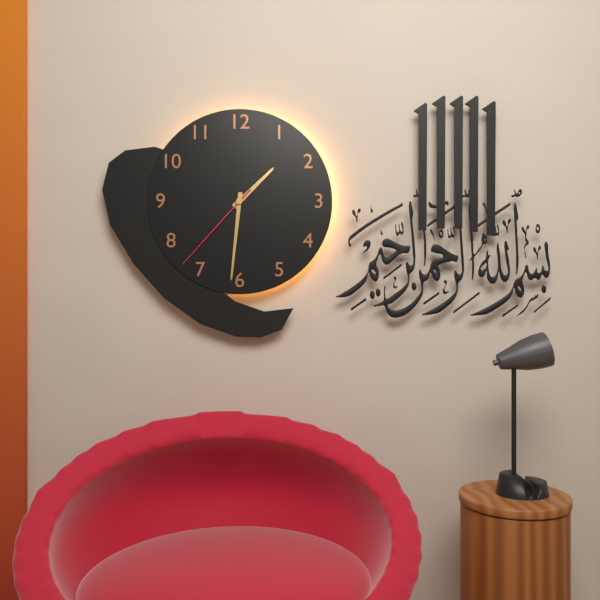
1:31:37
